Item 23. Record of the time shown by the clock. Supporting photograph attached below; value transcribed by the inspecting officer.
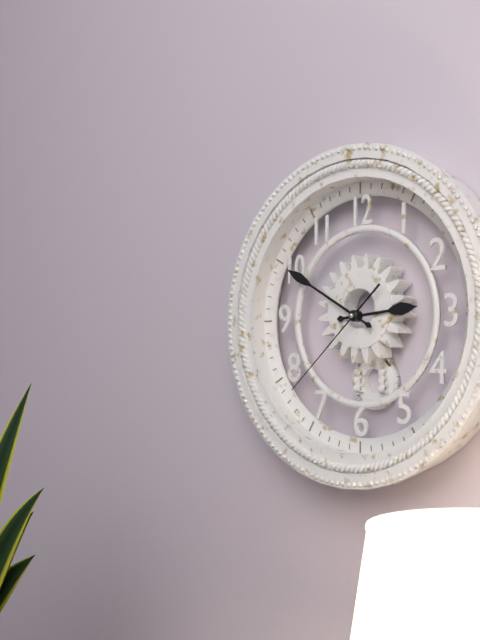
2:50:38
